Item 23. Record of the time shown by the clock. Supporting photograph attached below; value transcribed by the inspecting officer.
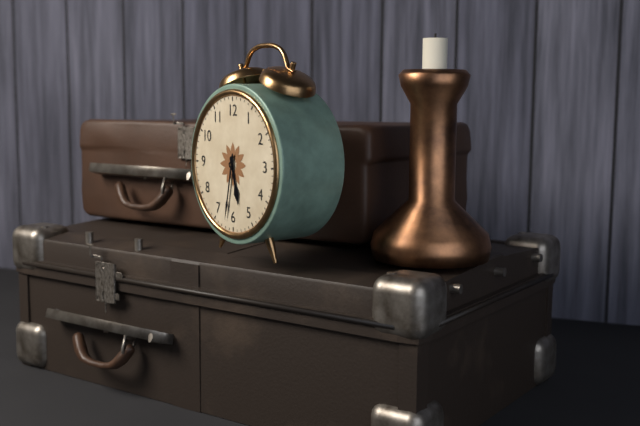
5:32
